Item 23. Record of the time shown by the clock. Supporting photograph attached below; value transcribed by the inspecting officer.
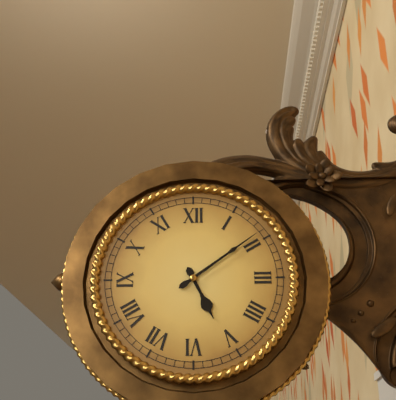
5:09
